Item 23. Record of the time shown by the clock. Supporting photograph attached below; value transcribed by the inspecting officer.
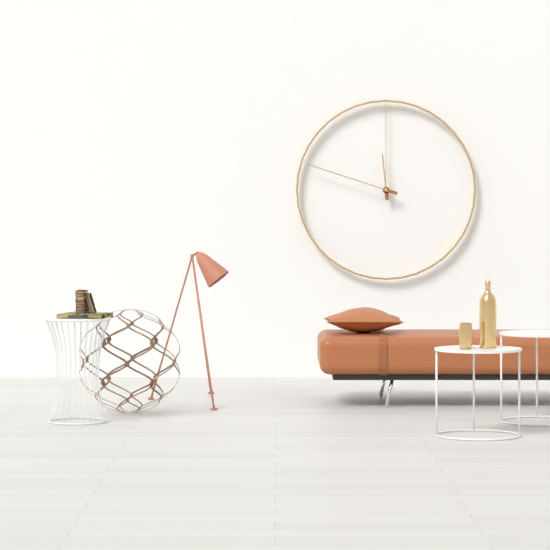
11:48
